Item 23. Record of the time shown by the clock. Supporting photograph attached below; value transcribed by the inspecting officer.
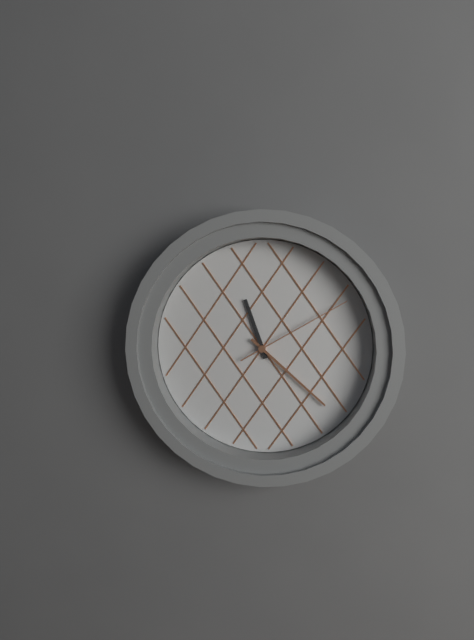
11:22:10
